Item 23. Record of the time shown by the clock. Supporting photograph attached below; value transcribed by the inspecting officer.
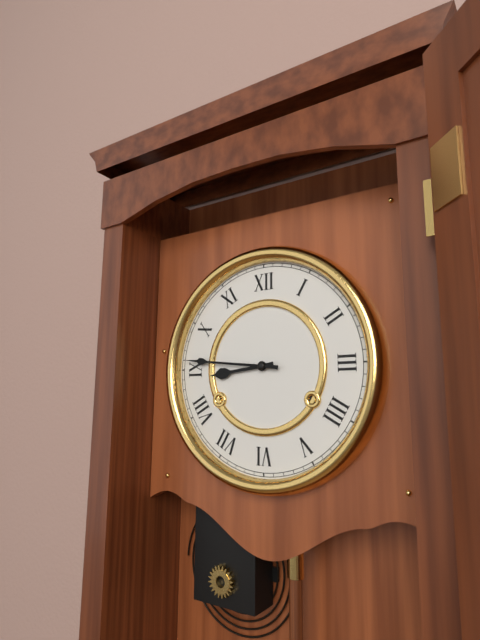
8:46
